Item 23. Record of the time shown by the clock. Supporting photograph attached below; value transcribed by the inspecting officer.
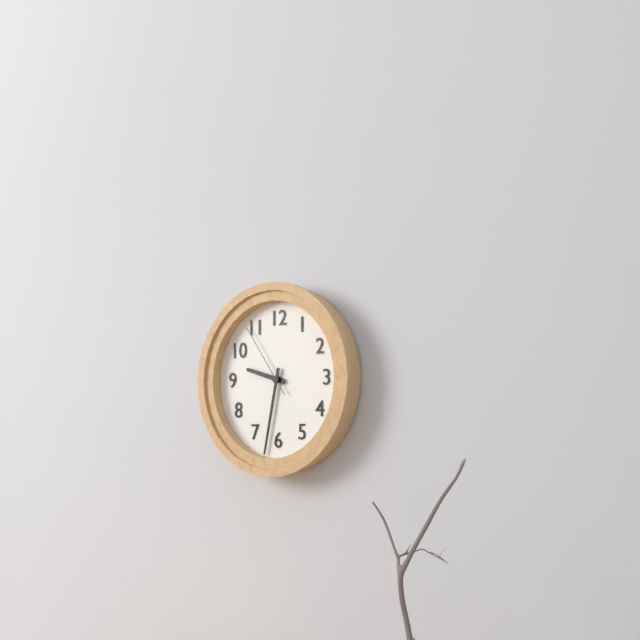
9:32:54
